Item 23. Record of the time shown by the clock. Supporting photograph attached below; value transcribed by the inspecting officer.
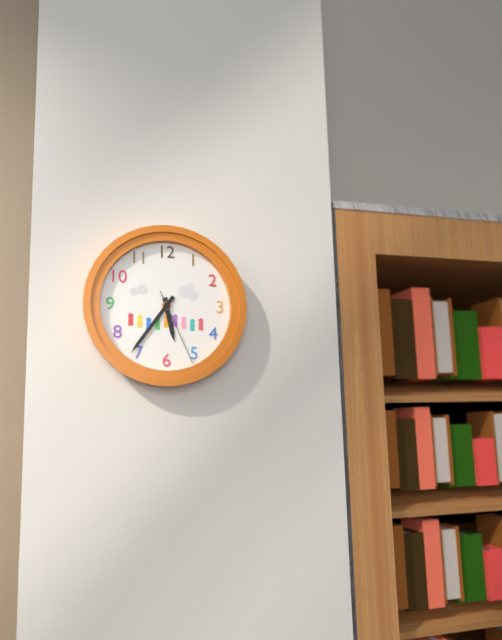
5:36:26
